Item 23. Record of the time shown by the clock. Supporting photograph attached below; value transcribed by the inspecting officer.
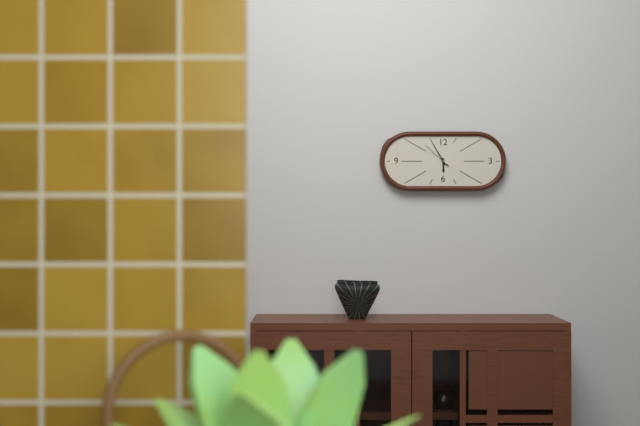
5:55
